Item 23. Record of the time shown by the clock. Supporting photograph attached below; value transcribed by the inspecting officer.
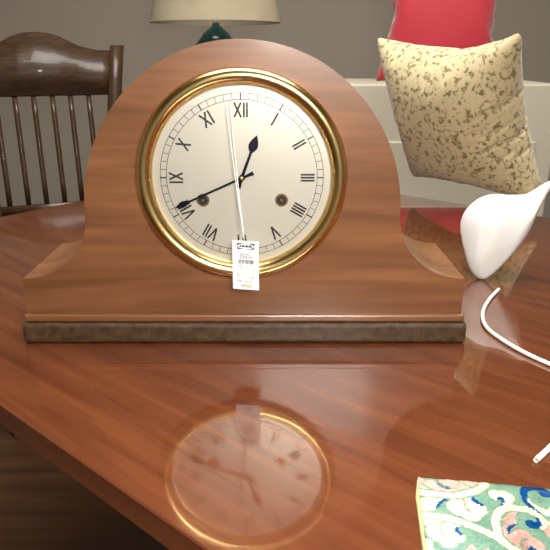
12:41
